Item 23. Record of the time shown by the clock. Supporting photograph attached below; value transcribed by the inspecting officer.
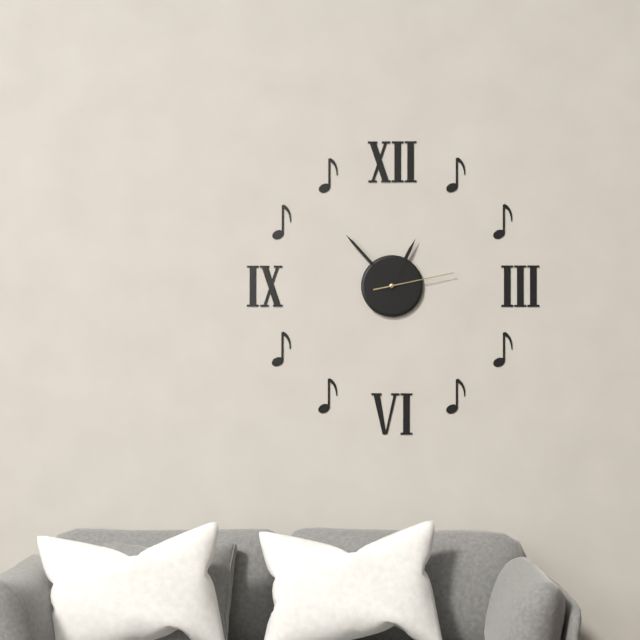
12:53:13
